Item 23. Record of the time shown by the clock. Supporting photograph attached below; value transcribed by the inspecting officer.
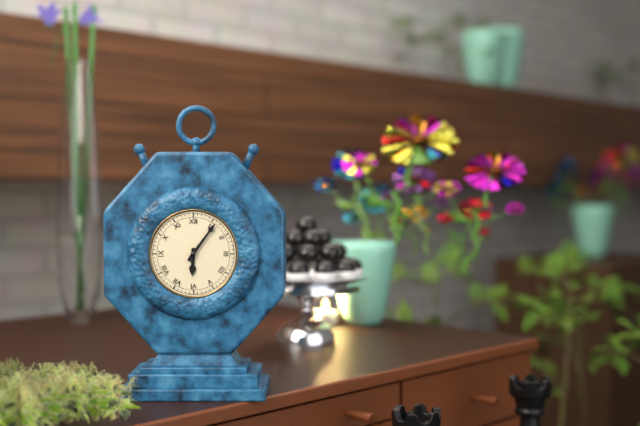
6:06
